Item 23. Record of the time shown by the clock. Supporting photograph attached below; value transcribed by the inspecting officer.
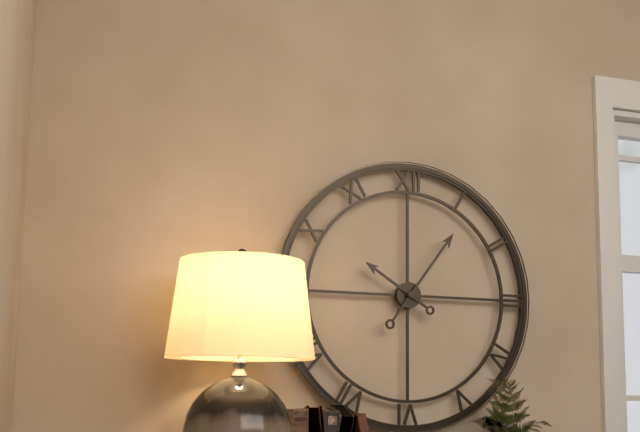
10:06
